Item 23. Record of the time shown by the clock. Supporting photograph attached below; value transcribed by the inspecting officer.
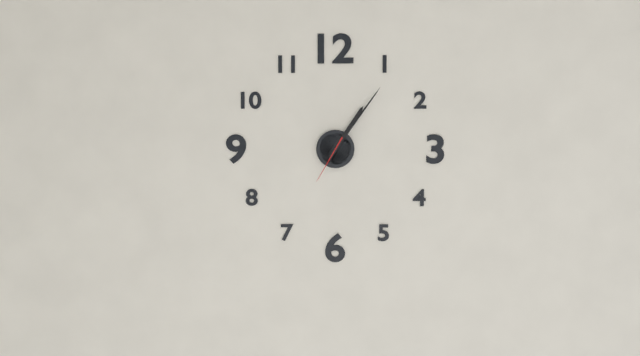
1:06
